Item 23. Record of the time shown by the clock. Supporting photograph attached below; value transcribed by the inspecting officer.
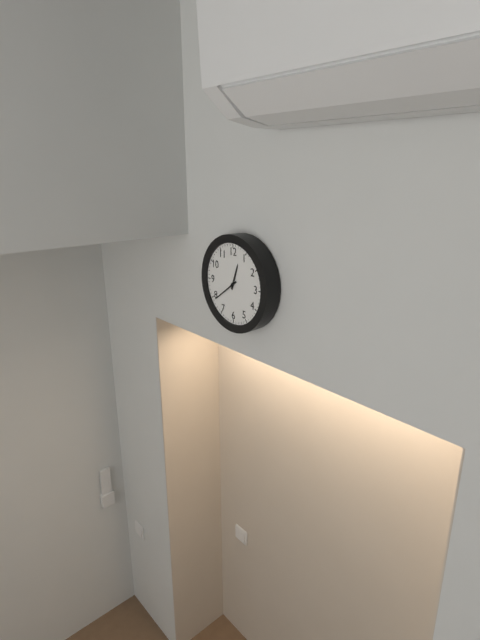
12:39
